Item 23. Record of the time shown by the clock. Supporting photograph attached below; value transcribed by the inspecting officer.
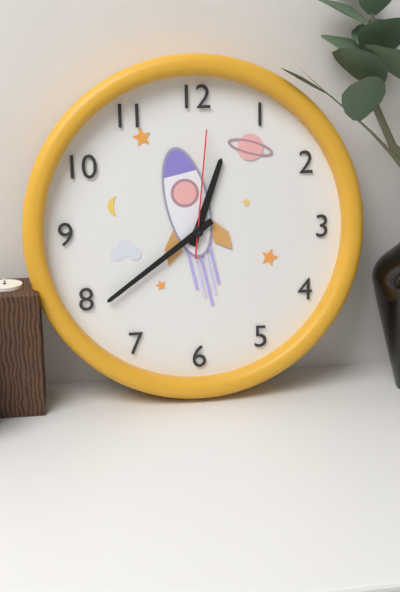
12:39:01
